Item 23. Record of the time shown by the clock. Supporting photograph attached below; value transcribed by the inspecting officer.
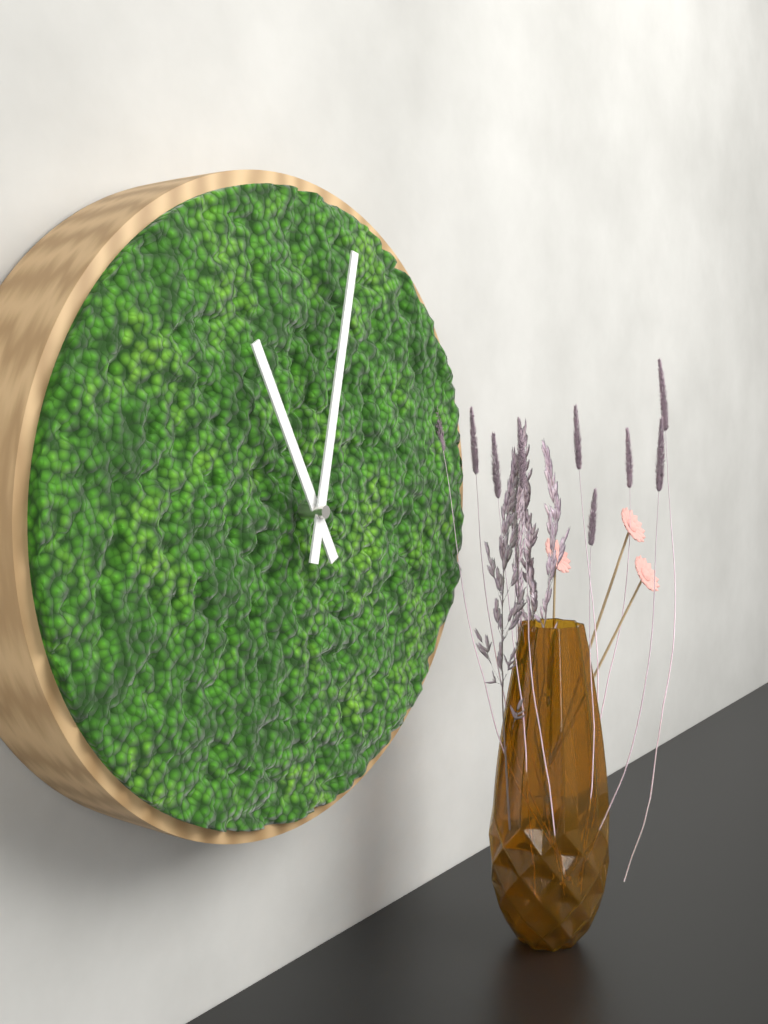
11:02
